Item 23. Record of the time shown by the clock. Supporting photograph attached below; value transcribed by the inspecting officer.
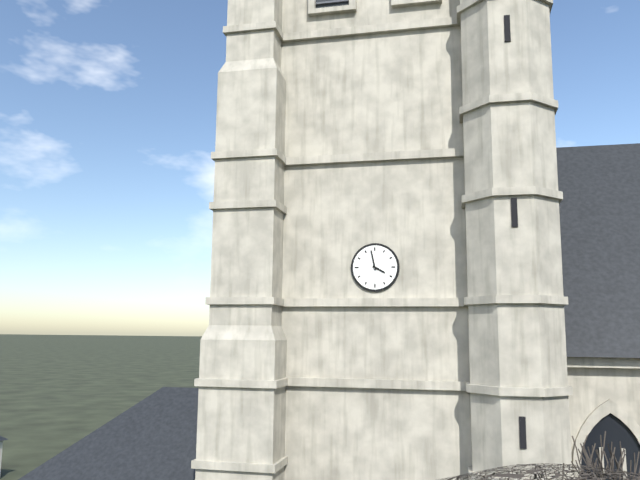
3:58
